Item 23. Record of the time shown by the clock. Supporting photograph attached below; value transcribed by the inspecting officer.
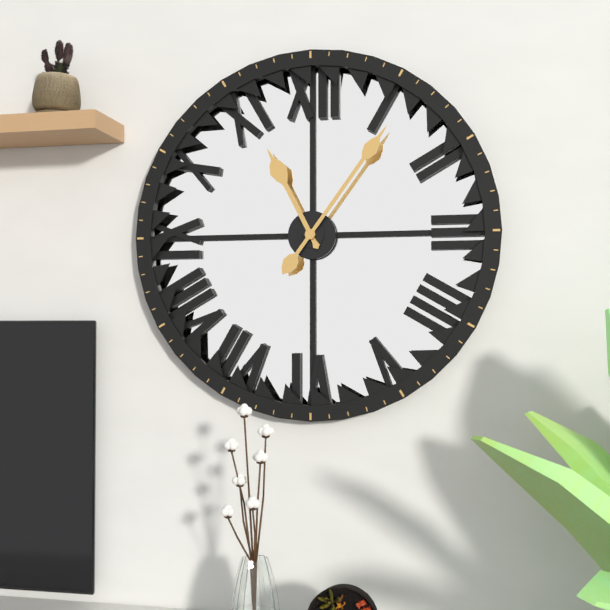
11:06
